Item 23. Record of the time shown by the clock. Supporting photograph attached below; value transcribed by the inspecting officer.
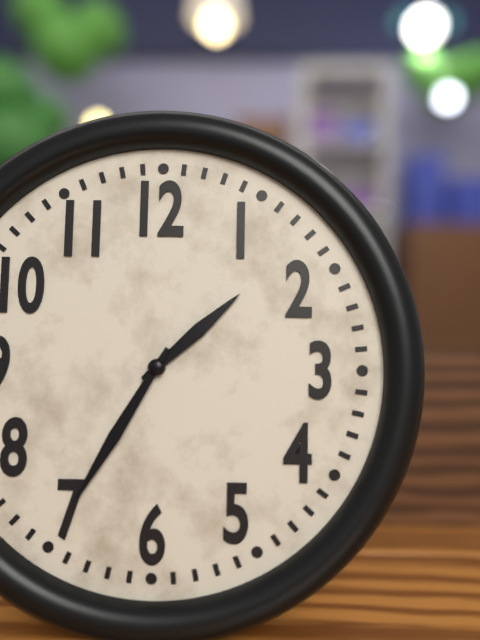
1:35
